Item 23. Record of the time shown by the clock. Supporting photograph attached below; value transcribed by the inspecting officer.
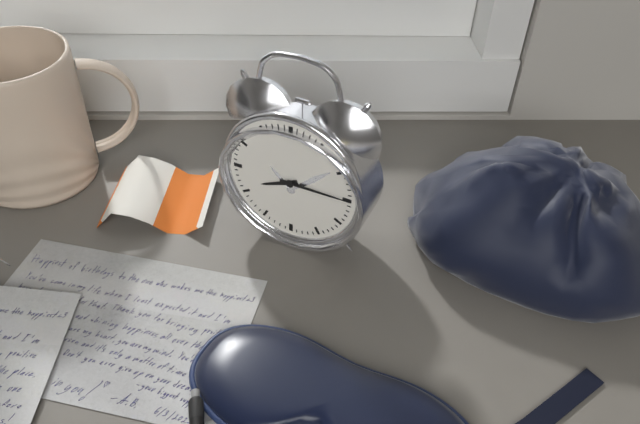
8:15
